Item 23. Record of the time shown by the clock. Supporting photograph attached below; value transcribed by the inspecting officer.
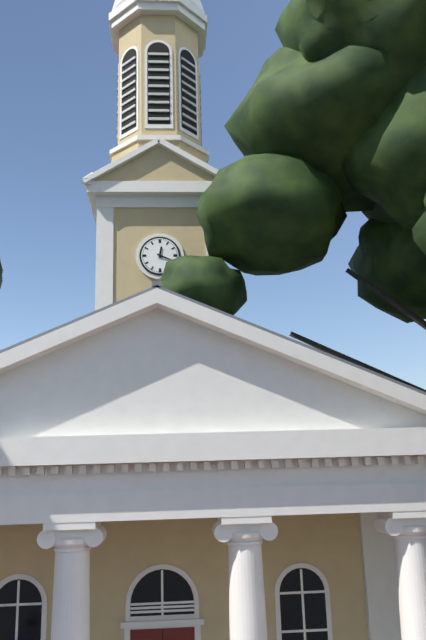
12:19
